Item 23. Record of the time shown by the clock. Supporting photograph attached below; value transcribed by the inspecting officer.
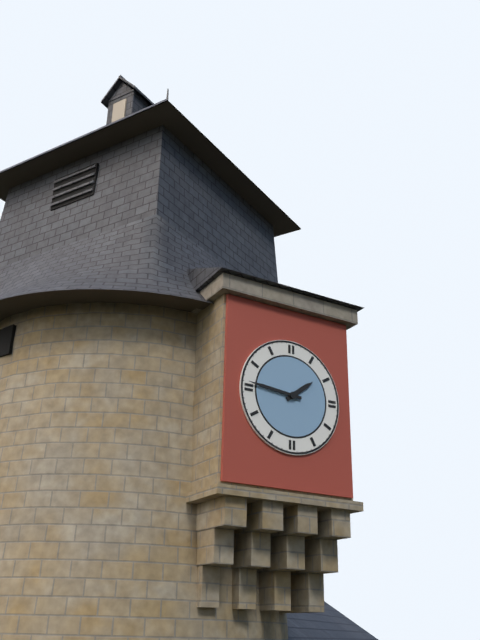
1:46
